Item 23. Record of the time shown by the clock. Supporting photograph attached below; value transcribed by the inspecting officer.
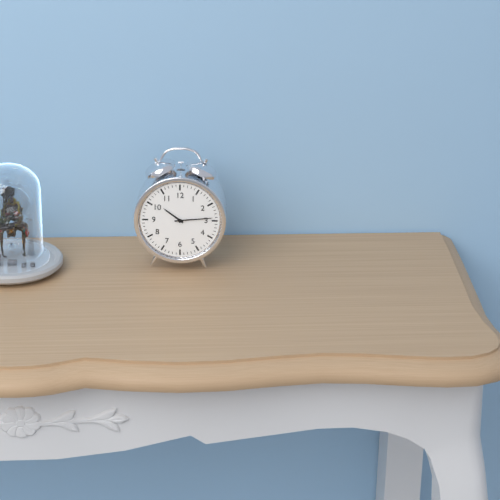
10:14
